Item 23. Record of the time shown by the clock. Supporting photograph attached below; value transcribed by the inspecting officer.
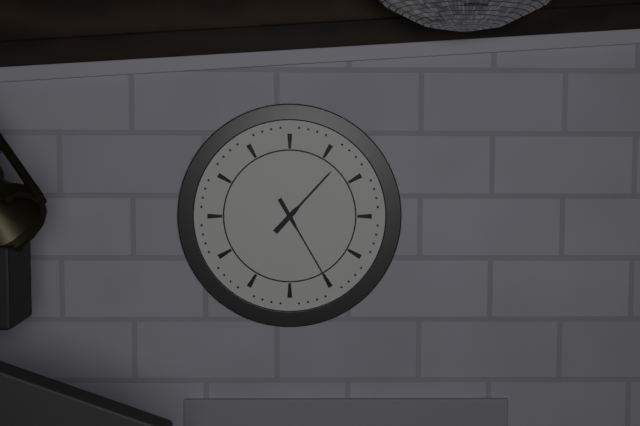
1:25
